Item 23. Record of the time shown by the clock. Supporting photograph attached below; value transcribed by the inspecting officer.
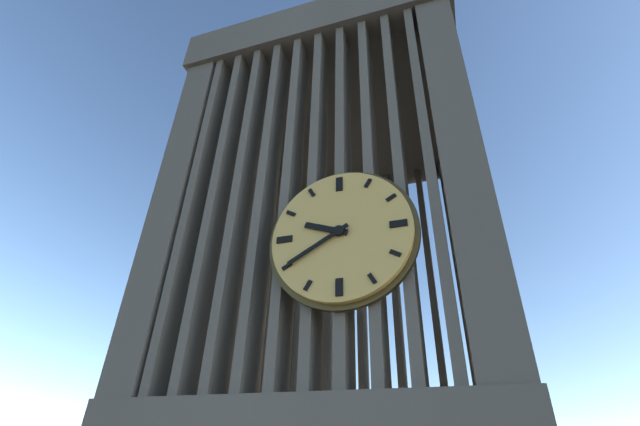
9:40
